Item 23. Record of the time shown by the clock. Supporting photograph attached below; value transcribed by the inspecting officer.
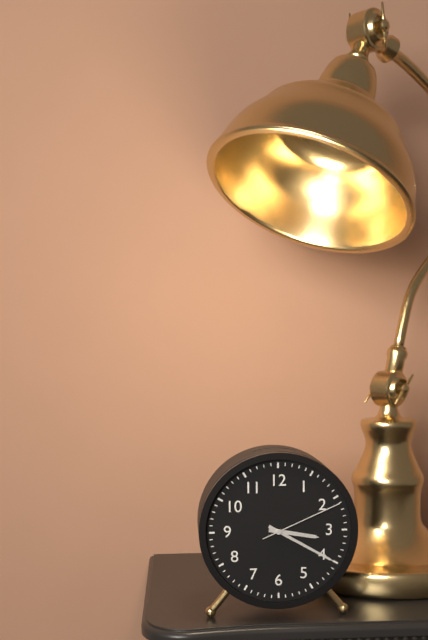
3:20:11
